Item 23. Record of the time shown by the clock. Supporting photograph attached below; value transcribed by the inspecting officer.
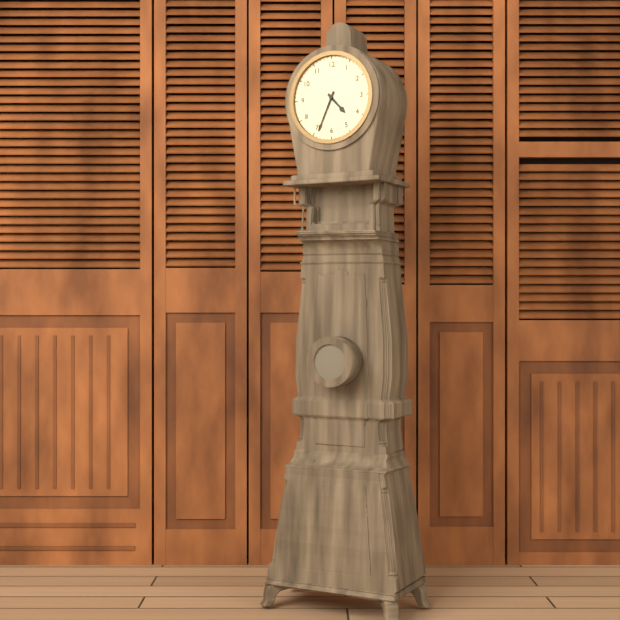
4:34
